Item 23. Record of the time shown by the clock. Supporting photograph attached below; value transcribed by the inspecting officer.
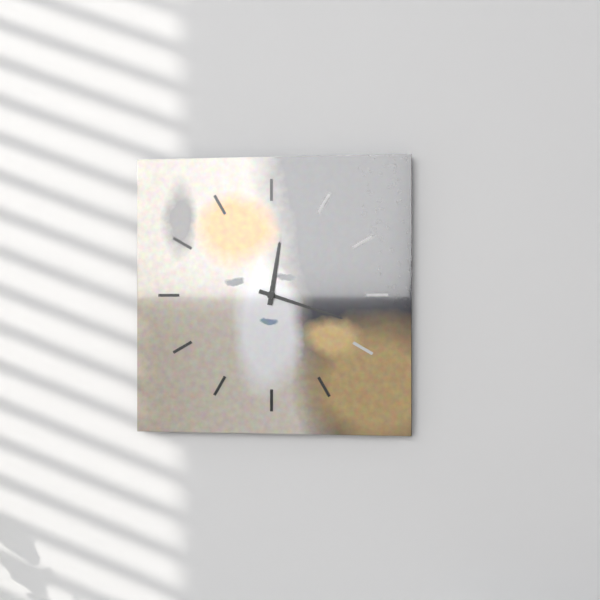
12:18
